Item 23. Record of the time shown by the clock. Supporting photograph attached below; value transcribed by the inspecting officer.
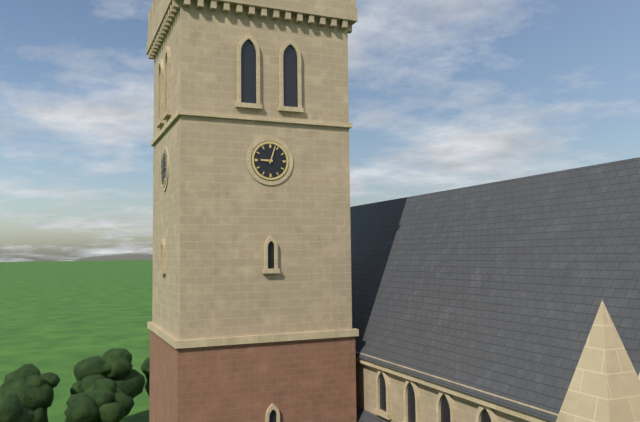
9:03
